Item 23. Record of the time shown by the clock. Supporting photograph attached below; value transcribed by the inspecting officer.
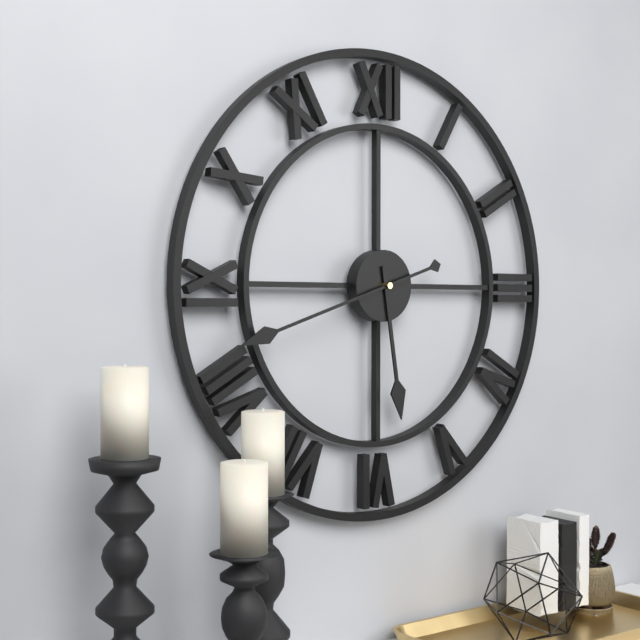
5:42
